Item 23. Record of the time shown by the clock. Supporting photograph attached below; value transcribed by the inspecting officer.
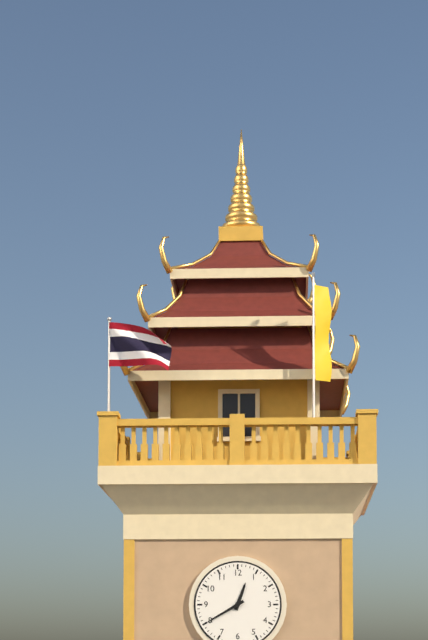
12:40
